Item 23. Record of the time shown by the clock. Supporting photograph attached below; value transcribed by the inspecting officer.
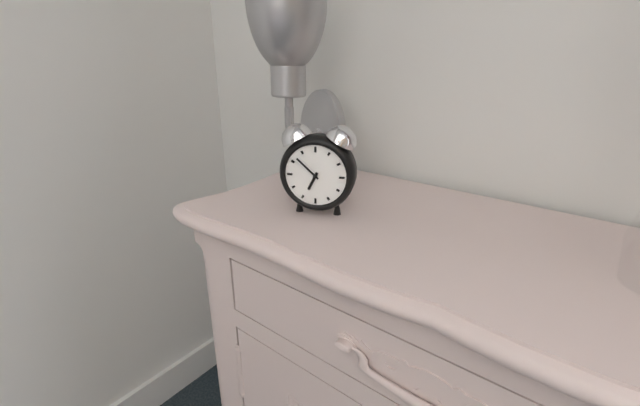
6:52
